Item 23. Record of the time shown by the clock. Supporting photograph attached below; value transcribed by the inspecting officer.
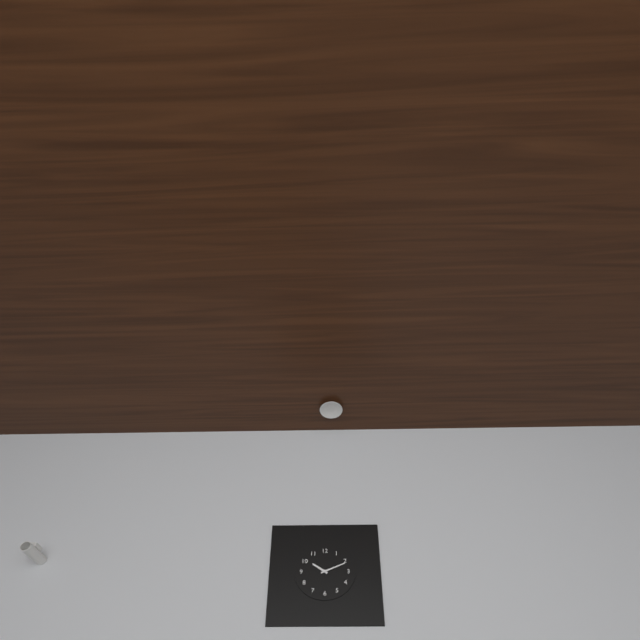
10:11
